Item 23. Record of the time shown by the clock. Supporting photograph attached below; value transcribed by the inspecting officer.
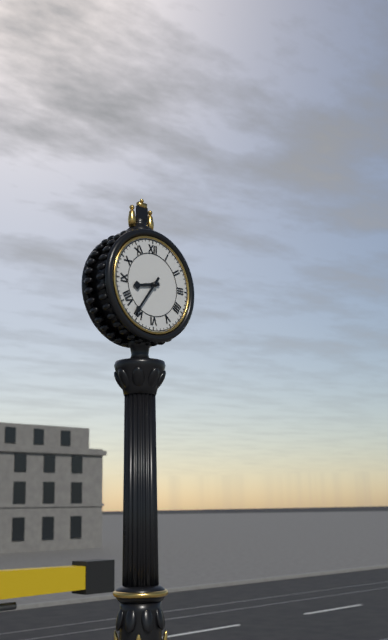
8:36
